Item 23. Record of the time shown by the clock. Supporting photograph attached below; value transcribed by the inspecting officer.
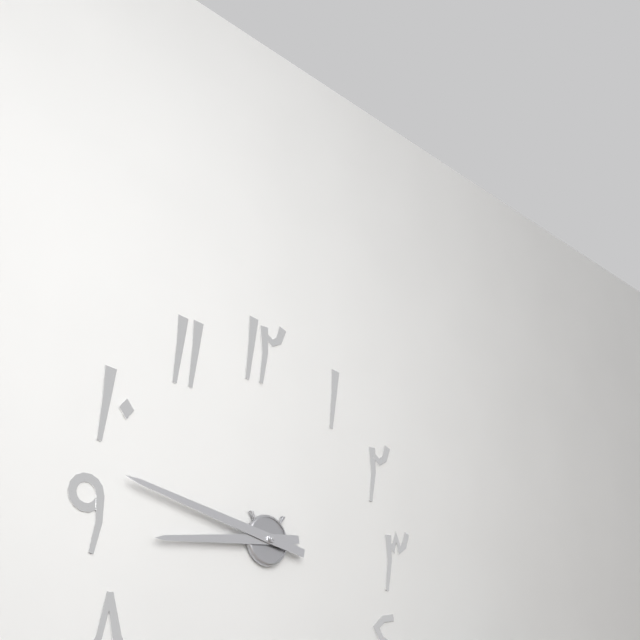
8:47
